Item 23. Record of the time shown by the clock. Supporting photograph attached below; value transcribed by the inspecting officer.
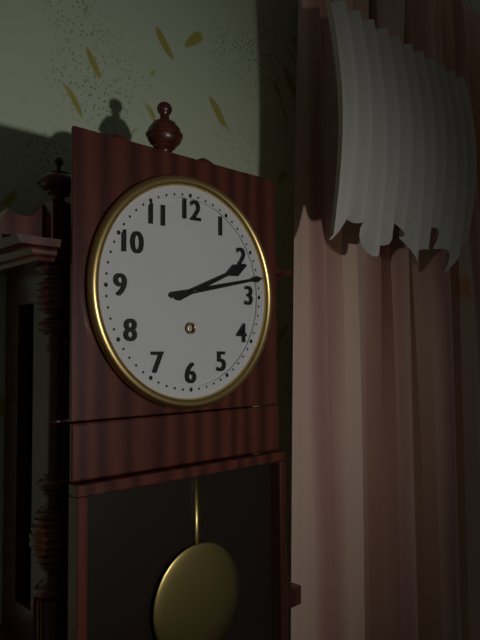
2:13
